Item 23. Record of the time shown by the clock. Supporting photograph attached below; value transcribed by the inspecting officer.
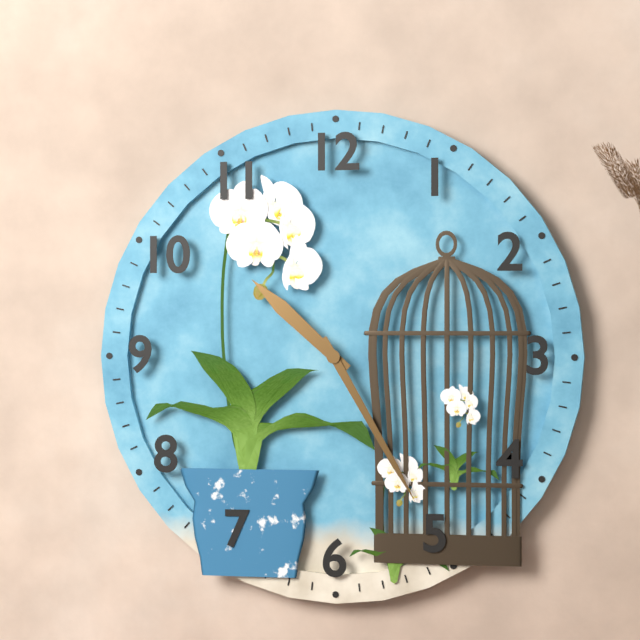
10:25
